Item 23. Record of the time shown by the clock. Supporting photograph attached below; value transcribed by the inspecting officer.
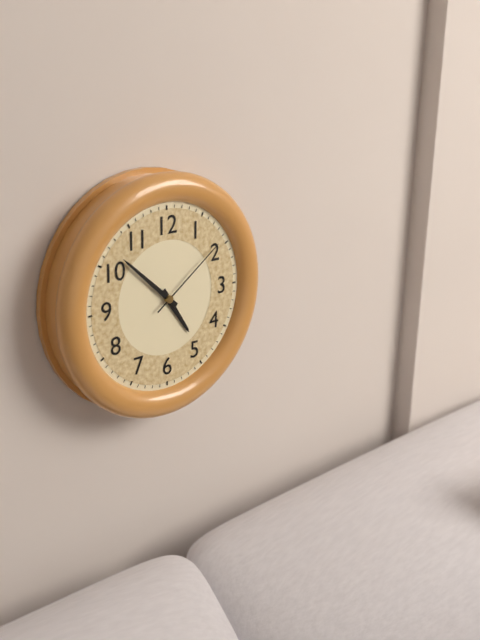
4:52:09
